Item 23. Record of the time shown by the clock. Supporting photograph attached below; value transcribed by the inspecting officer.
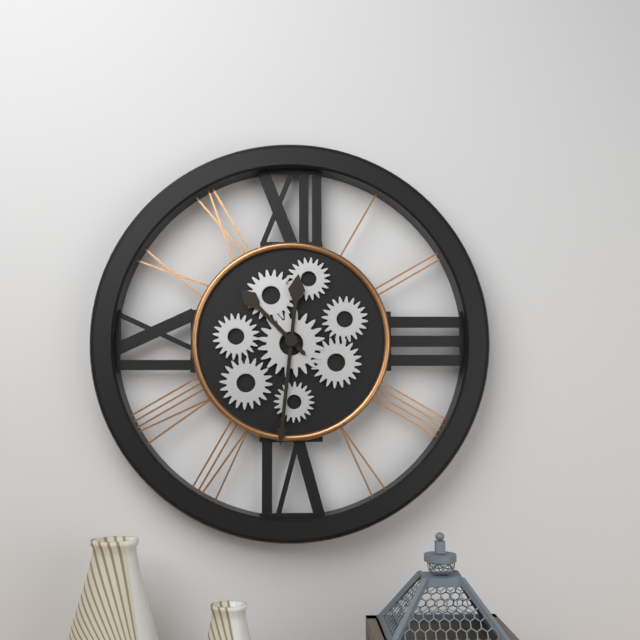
10:31
